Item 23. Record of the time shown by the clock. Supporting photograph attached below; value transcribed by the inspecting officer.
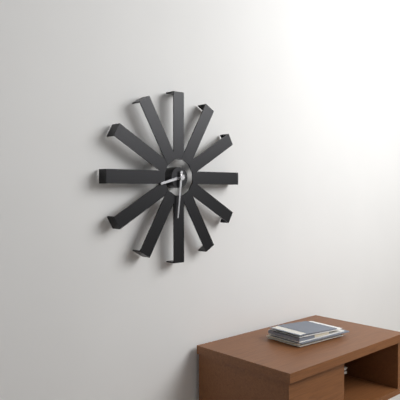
8:31
